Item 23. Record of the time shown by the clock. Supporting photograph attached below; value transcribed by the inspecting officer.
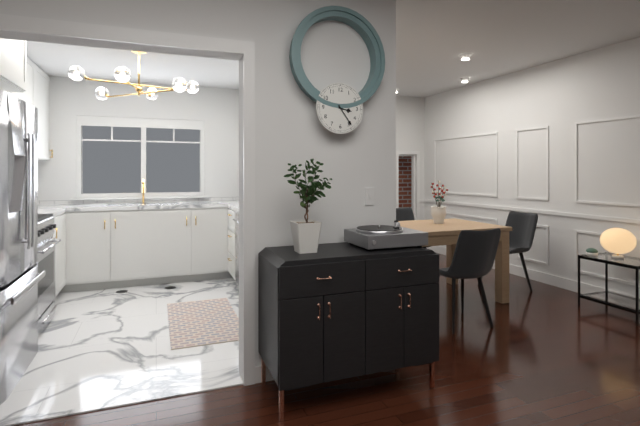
3:24
